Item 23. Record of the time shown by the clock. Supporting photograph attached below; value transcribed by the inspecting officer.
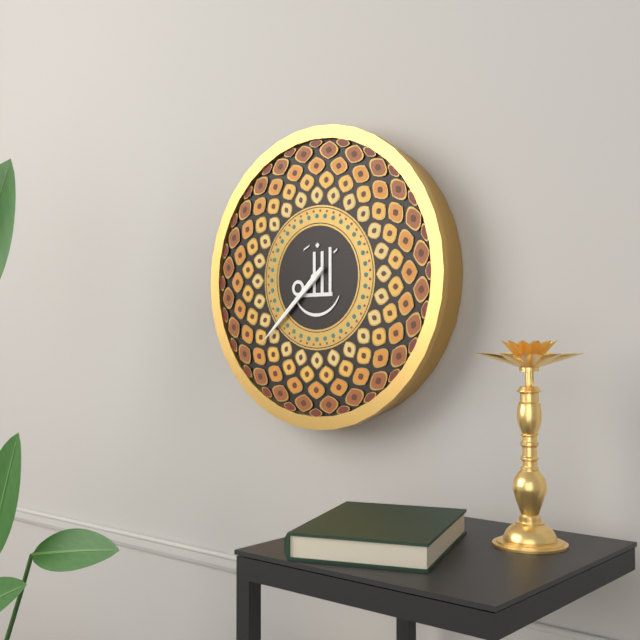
7:38
